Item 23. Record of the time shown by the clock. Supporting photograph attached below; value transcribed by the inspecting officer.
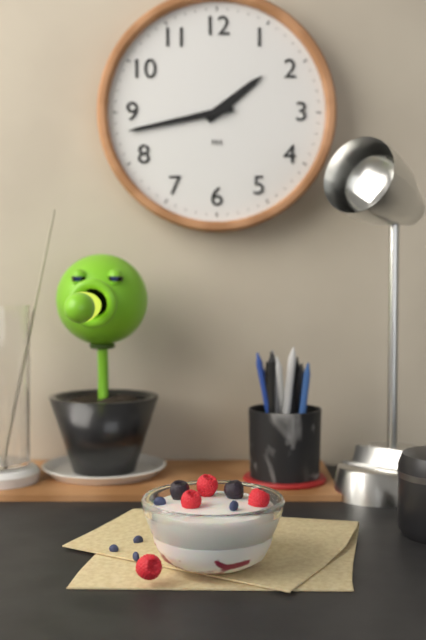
1:43
